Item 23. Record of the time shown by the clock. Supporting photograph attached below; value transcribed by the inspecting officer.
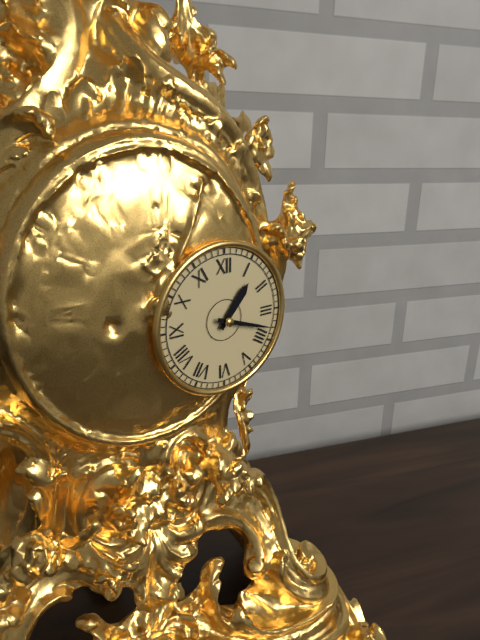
1:18
